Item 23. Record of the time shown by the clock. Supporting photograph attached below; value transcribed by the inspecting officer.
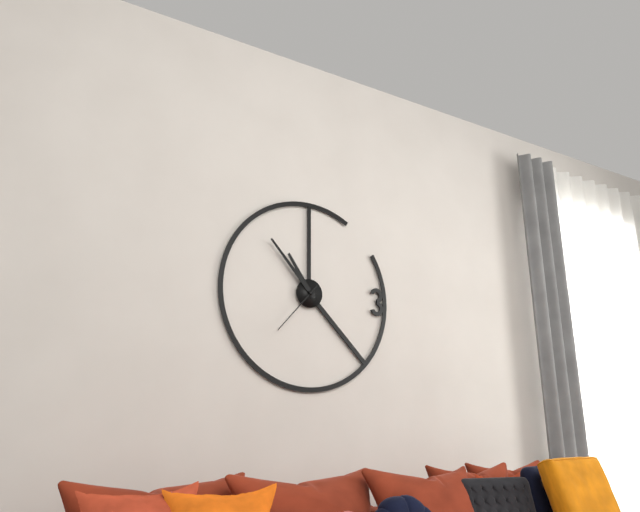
10:53:37
